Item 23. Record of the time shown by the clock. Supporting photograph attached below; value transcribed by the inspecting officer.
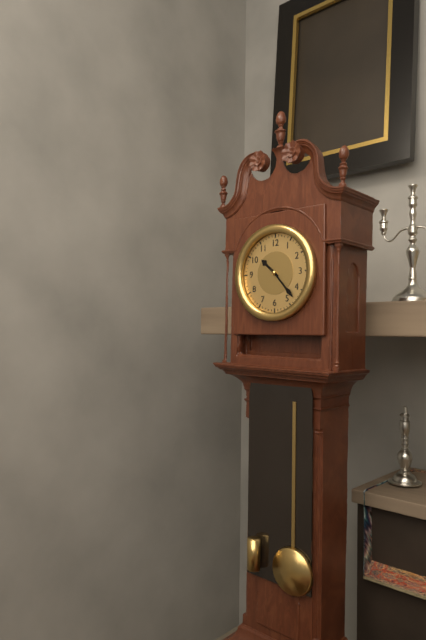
10:23
